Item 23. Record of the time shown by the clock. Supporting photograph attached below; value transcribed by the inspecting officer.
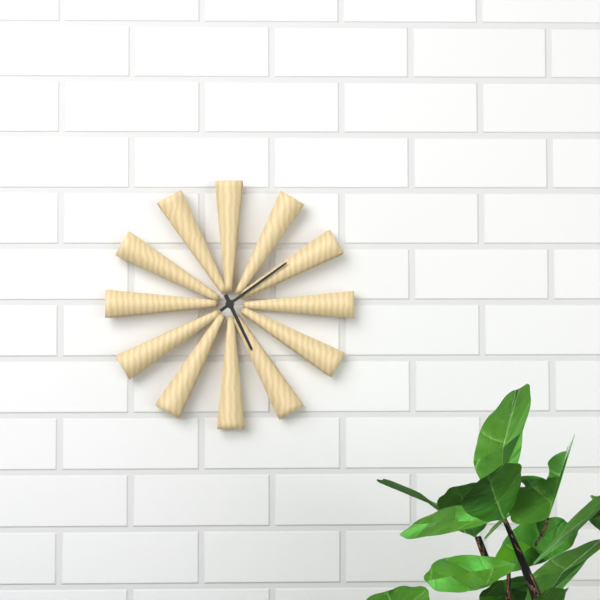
5:09
